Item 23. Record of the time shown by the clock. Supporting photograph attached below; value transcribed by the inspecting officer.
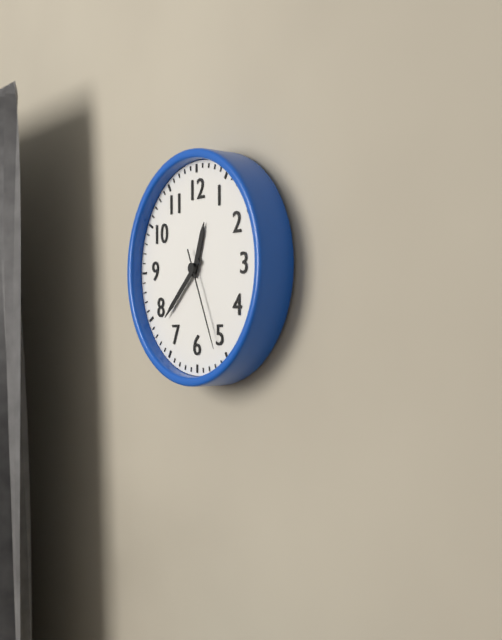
12:38:26
